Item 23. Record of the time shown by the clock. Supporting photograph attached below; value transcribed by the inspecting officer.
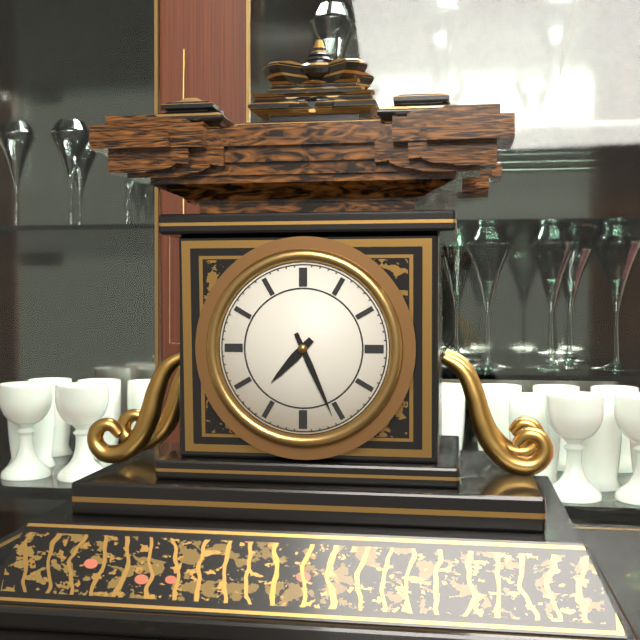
7:26
